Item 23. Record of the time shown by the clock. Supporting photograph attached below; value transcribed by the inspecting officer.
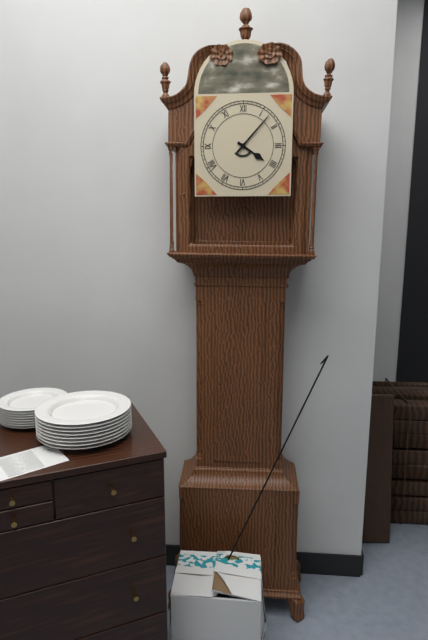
4:07
